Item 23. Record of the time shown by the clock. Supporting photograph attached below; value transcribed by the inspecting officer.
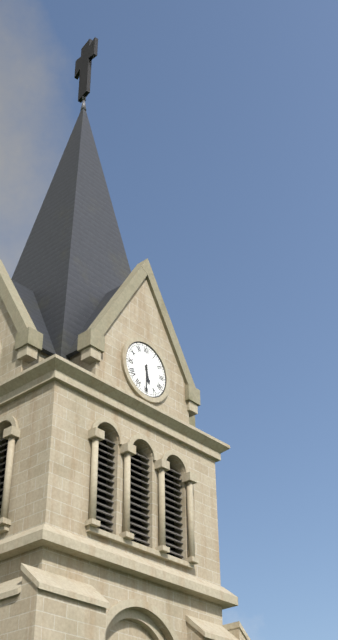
5:30
